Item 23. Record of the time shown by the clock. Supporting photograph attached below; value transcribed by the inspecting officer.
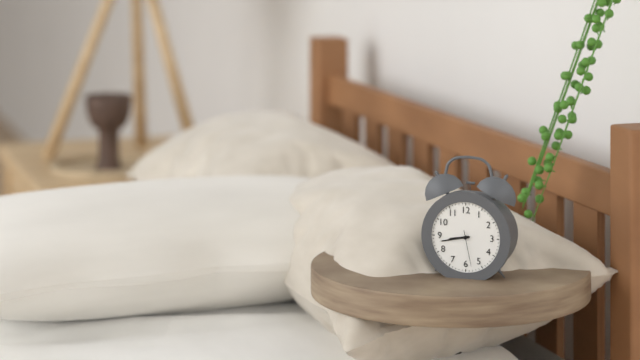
8:43
